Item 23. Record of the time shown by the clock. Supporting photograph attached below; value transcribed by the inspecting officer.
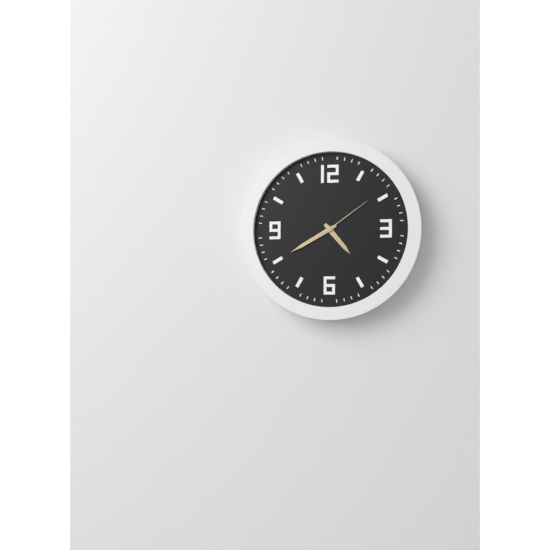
4:40:09
